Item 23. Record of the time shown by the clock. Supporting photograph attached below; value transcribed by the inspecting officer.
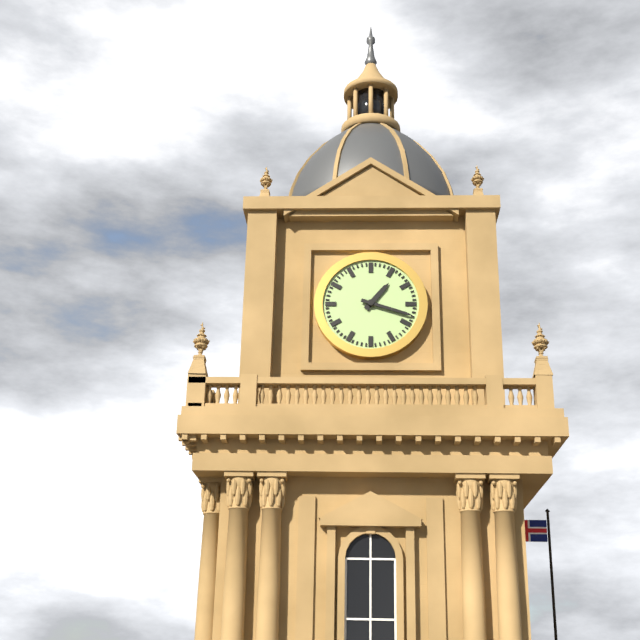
1:18
